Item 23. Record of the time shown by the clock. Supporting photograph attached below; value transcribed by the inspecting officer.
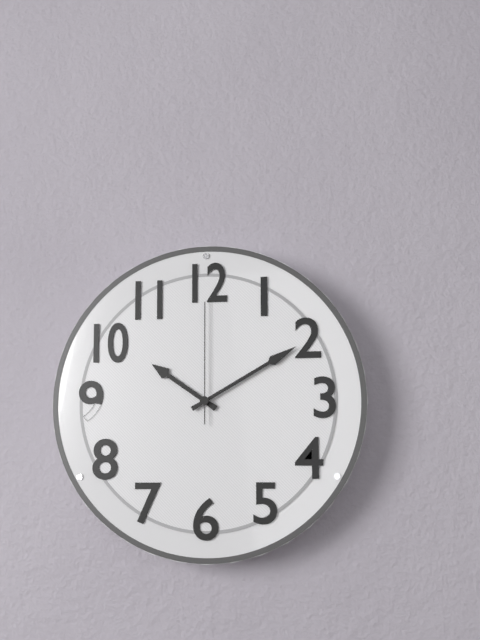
10:10:00
